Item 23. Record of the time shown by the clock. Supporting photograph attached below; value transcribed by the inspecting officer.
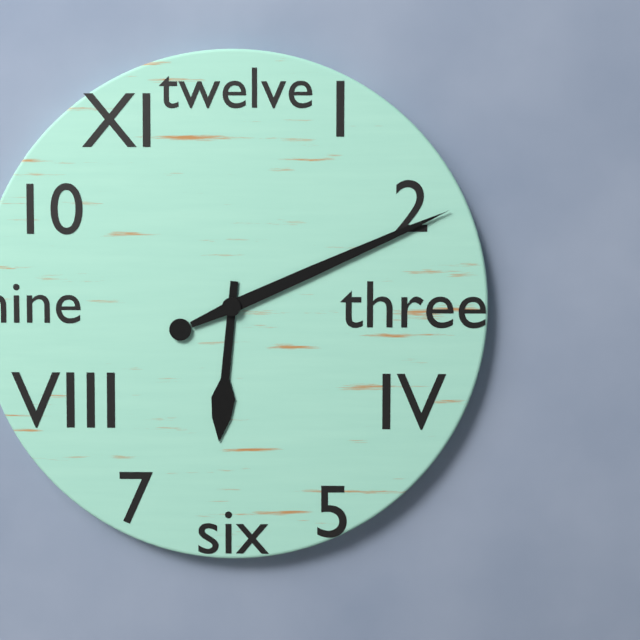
6:11
